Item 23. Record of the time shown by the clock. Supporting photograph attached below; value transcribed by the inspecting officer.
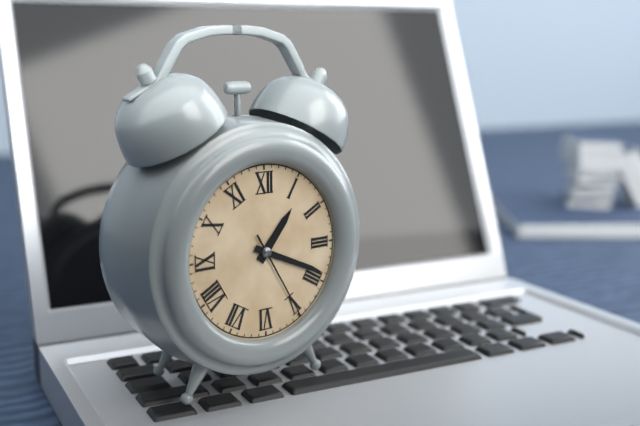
1:19:25
